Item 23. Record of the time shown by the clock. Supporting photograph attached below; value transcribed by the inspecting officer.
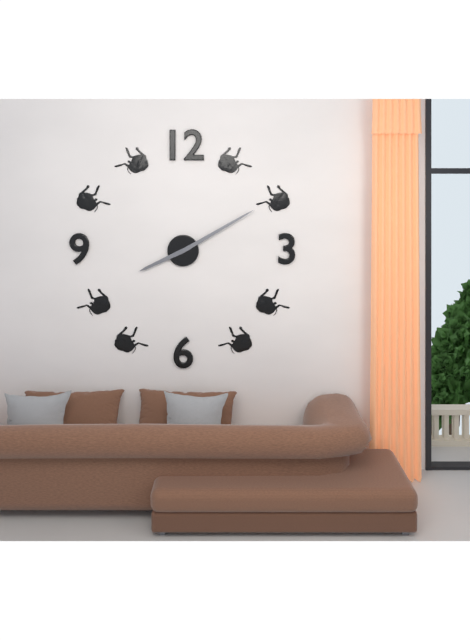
8:10
